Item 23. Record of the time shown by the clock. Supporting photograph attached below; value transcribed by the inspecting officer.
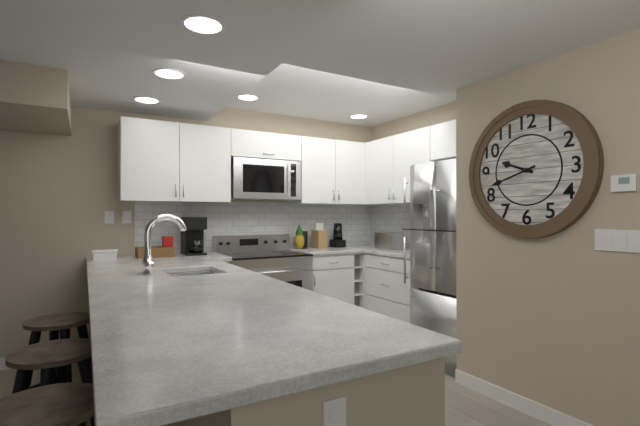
9:42
